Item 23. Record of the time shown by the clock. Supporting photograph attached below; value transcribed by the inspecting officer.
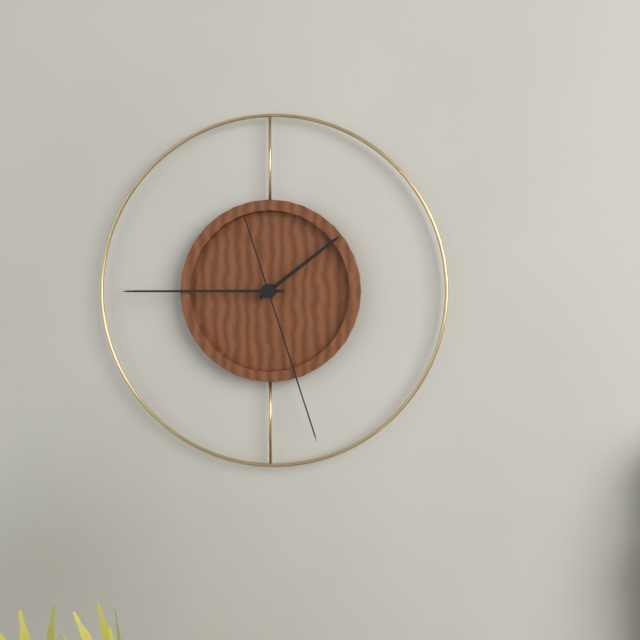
1:45:27
